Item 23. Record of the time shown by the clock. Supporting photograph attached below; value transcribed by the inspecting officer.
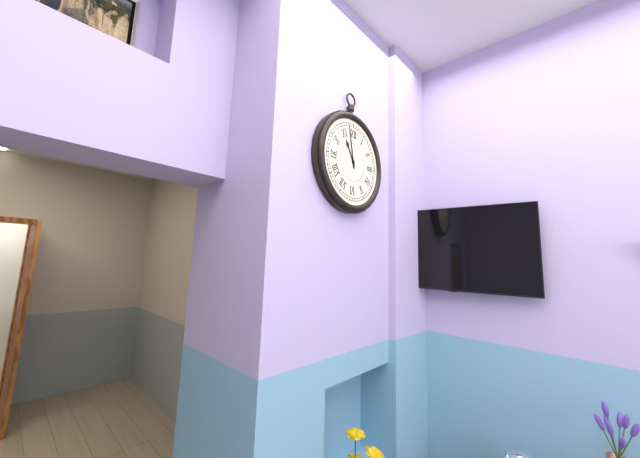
10:58
